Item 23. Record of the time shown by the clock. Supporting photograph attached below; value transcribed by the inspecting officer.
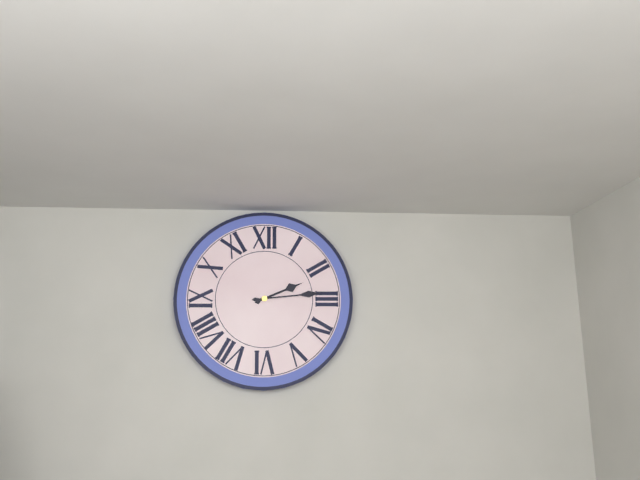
2:14
